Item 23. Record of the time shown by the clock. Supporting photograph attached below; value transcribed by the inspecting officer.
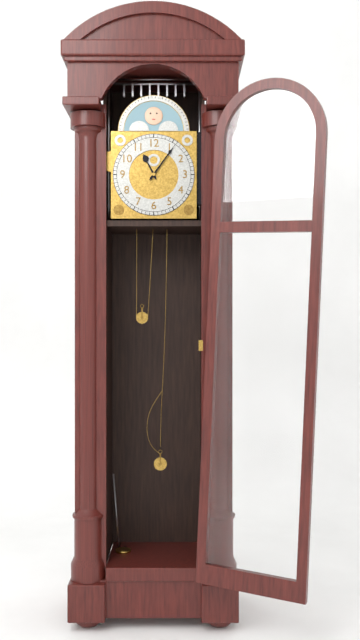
11:06
